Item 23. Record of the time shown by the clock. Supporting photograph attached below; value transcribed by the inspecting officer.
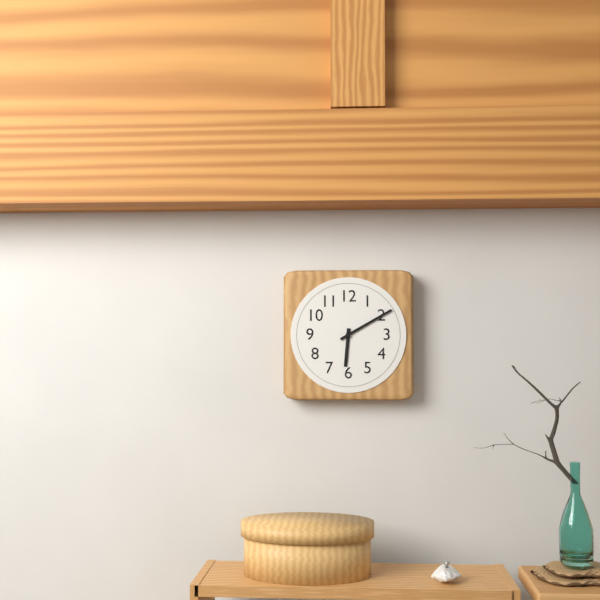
6:10
